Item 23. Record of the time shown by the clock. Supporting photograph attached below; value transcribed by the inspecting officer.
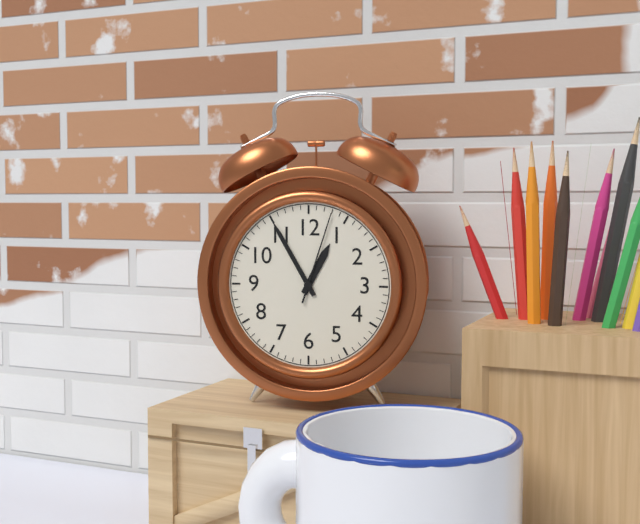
12:55:03
